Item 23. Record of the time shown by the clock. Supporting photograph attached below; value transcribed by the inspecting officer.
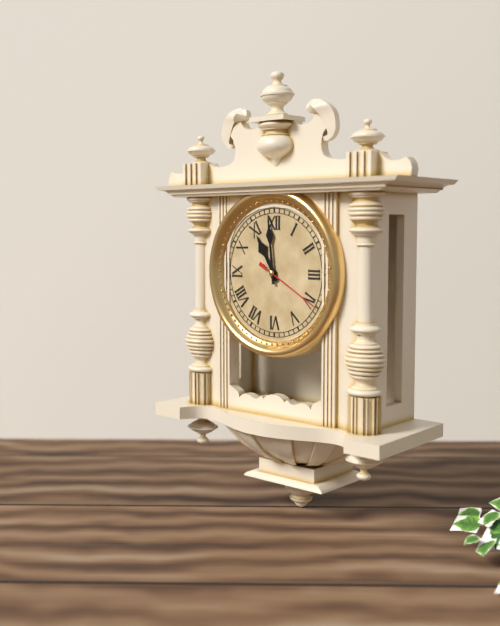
10:59:20
